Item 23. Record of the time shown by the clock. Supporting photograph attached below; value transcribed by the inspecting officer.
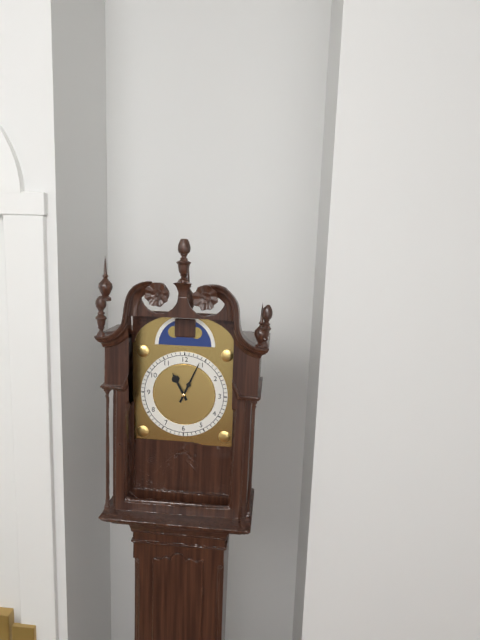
11:04
